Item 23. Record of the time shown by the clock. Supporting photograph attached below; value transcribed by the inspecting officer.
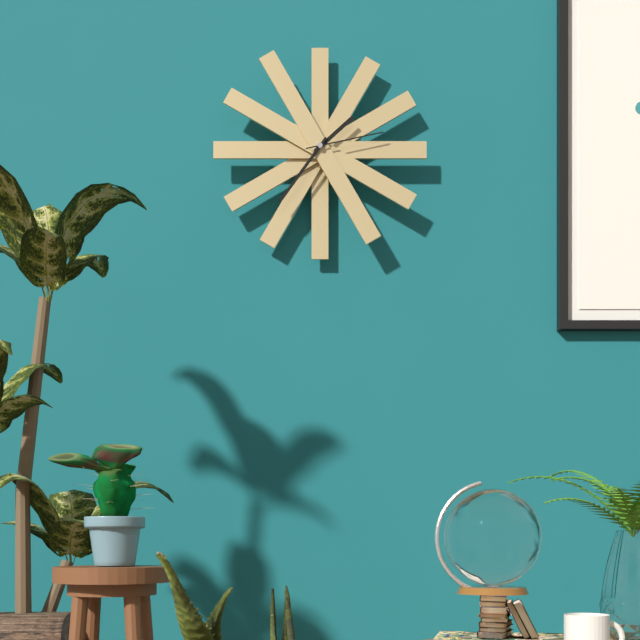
1:36:13
